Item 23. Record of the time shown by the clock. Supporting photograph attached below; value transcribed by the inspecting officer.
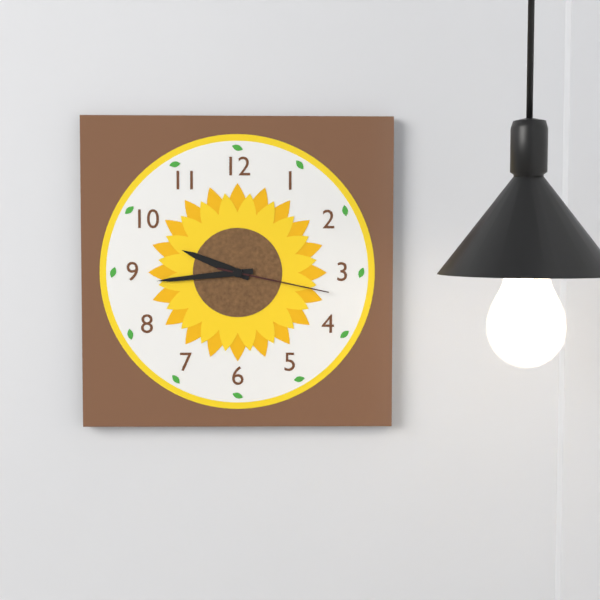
9:44:17
